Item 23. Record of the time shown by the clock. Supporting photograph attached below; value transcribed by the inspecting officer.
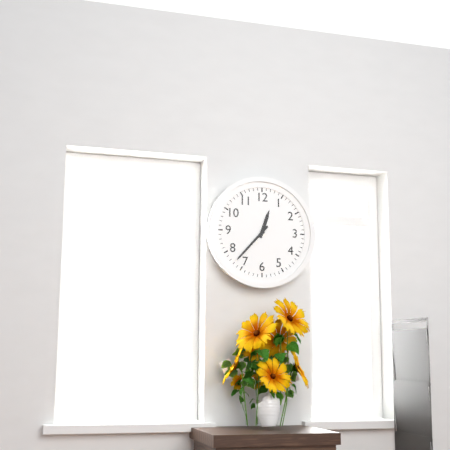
12:37
